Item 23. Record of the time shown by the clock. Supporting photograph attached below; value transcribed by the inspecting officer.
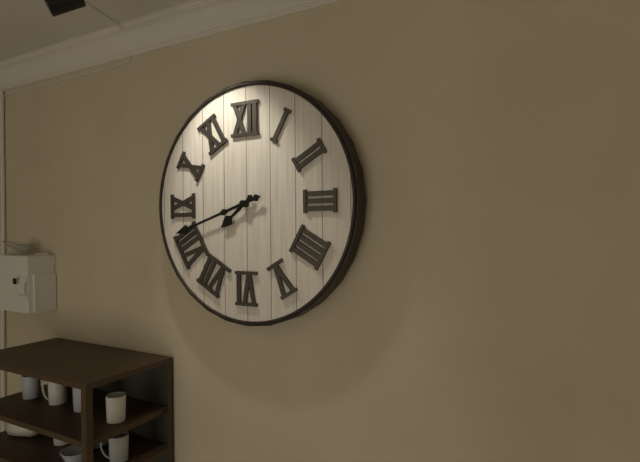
7:42
